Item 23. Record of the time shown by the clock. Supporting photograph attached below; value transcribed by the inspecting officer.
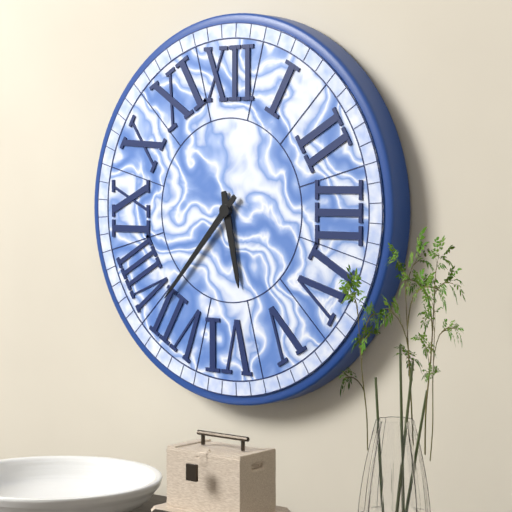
5:37
